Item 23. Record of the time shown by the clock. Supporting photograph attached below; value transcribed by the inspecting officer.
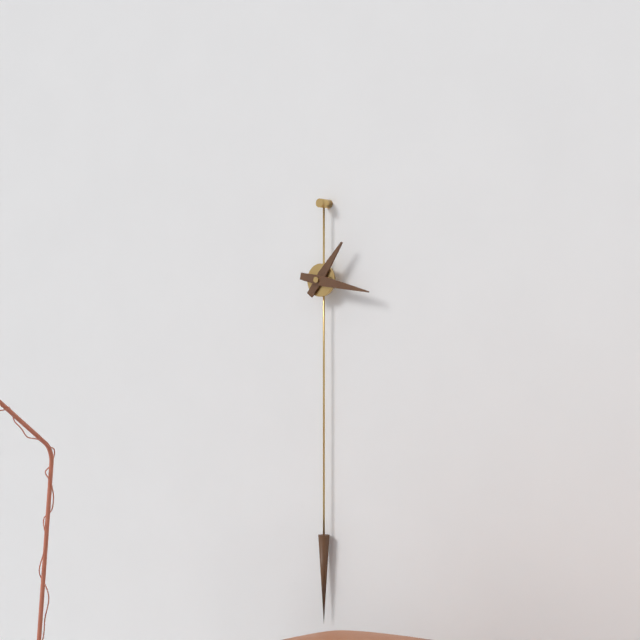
1:17
